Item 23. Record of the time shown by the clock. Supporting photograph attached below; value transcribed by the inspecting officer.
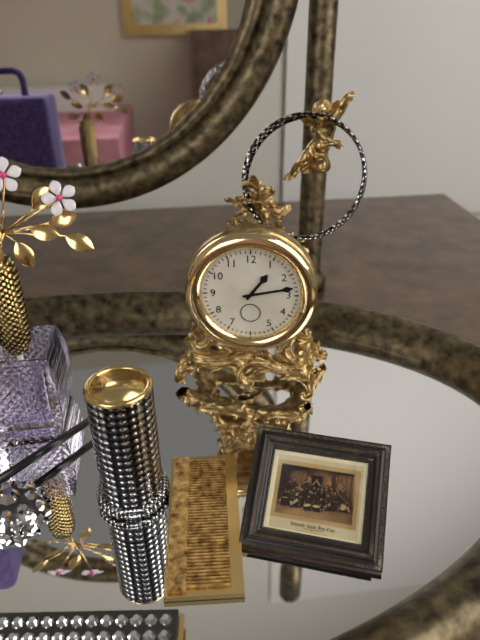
1:13
